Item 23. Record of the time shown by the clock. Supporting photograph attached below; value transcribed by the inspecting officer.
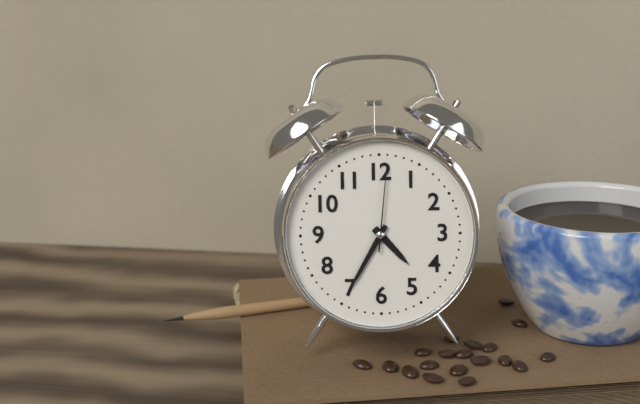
4:35:01
